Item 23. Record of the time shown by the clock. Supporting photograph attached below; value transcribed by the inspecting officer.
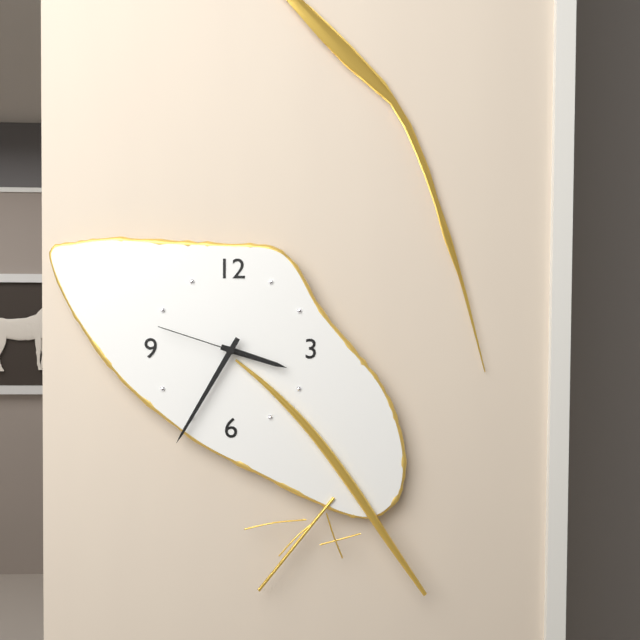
3:35:48
